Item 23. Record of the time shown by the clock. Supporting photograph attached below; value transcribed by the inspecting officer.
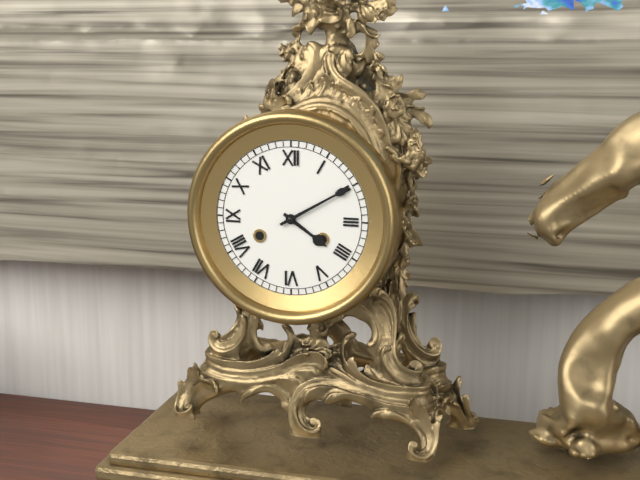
4:10
